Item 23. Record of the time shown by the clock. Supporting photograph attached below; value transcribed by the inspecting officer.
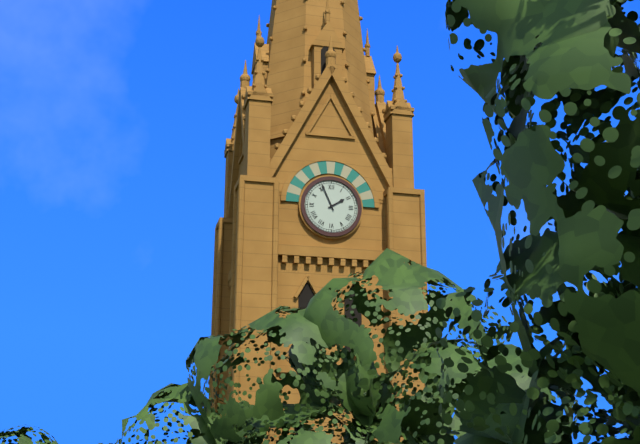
1:56
